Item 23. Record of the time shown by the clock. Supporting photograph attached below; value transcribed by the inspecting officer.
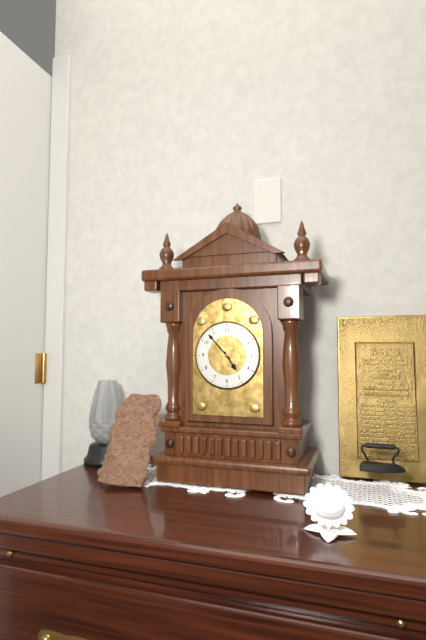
4:53
